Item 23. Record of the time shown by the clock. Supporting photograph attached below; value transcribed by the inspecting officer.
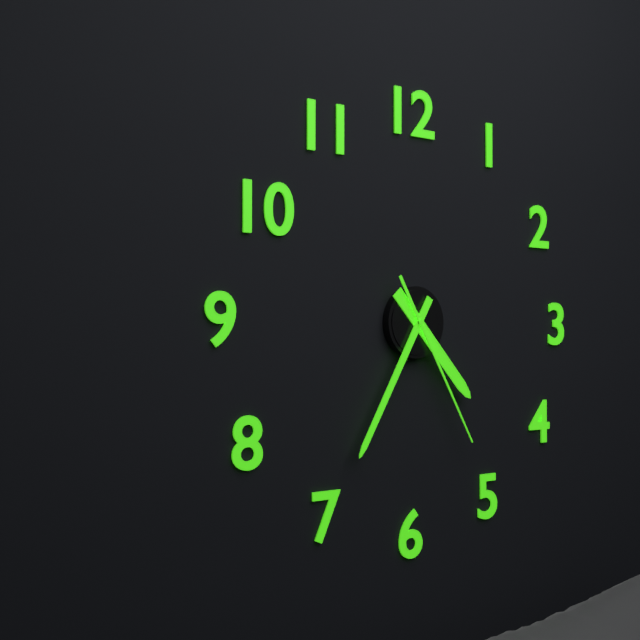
4:35:25
